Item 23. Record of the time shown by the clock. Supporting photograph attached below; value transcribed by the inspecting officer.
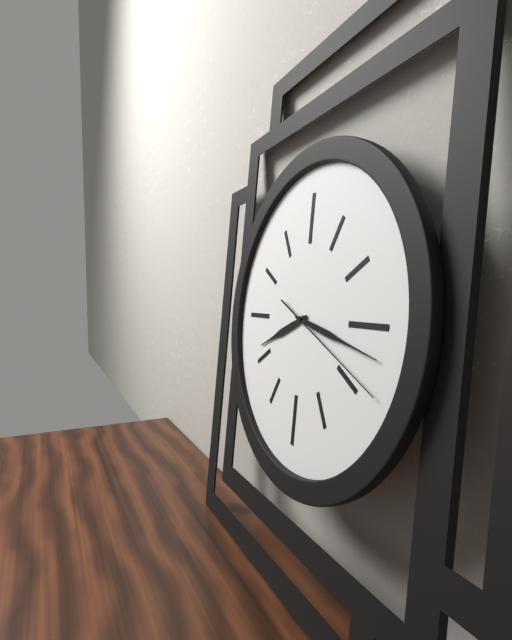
8:17:19
